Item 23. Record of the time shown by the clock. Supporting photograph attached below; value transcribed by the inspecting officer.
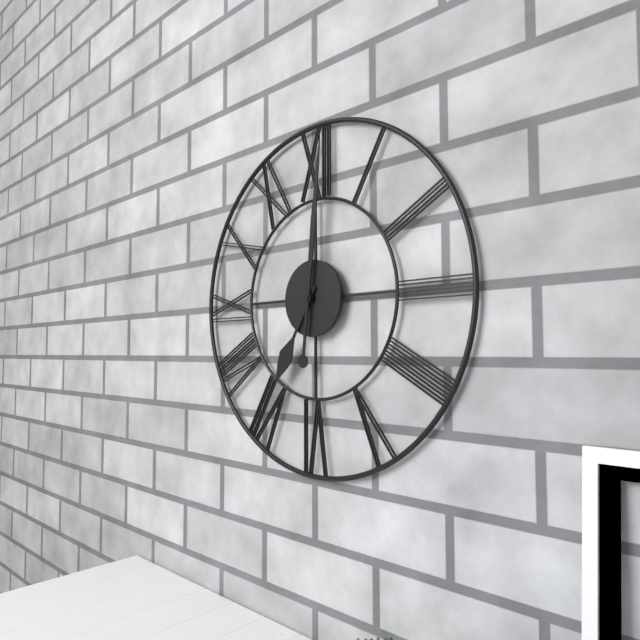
7:01
